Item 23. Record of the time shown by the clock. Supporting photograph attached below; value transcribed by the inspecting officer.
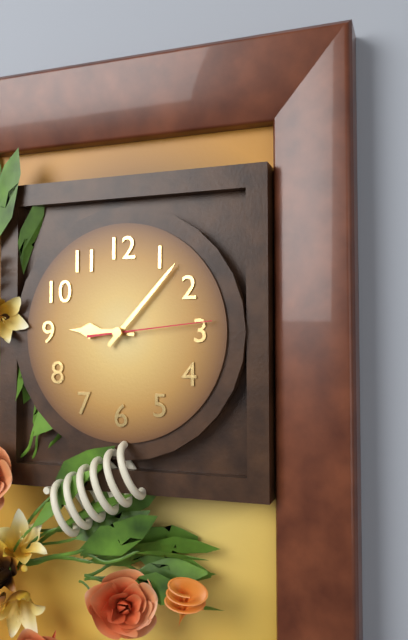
9:07:14
